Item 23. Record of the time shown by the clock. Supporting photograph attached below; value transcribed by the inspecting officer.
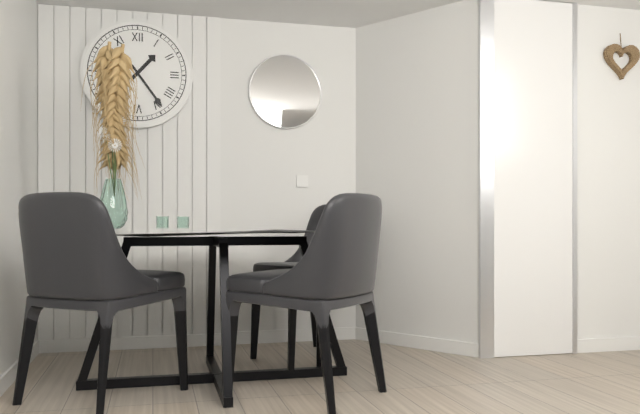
1:24
